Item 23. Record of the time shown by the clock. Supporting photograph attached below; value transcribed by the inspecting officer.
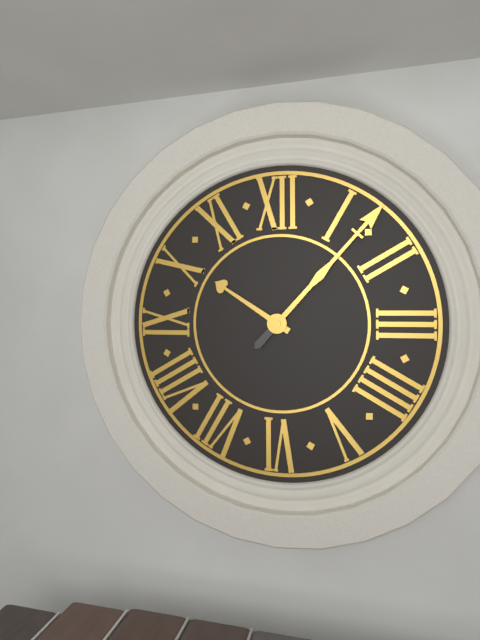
10:07
